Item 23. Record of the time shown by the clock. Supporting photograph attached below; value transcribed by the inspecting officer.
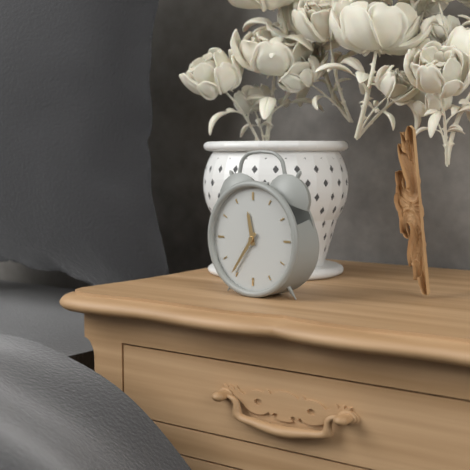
11:36
